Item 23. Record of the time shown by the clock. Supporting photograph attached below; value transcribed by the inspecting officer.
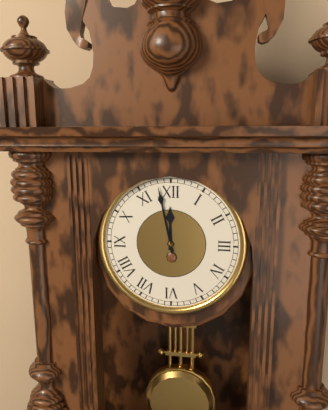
11:58
